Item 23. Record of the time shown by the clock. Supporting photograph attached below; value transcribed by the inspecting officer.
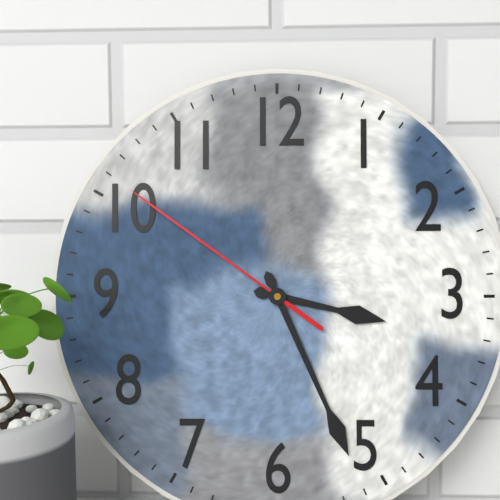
3:26:51
